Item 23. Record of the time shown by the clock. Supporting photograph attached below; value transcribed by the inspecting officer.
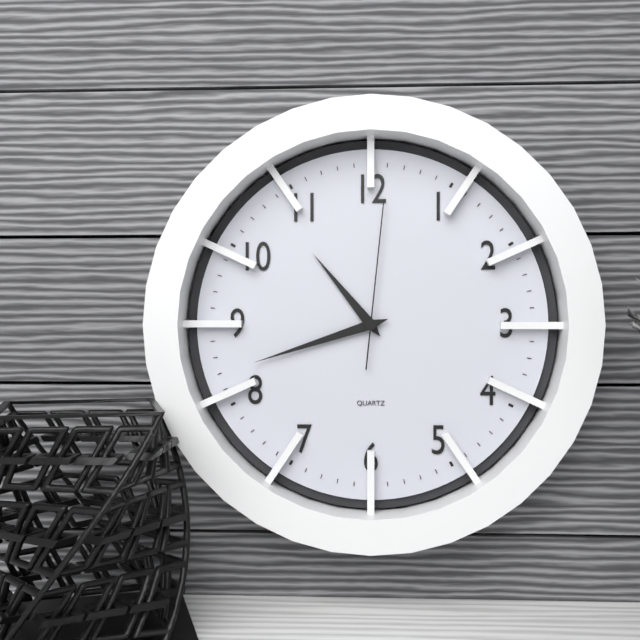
10:42:01
